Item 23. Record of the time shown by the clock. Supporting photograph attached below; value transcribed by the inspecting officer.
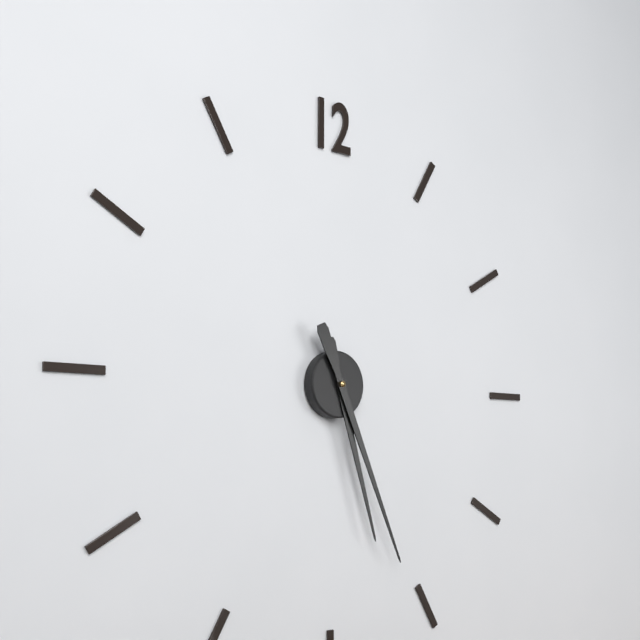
5:26
